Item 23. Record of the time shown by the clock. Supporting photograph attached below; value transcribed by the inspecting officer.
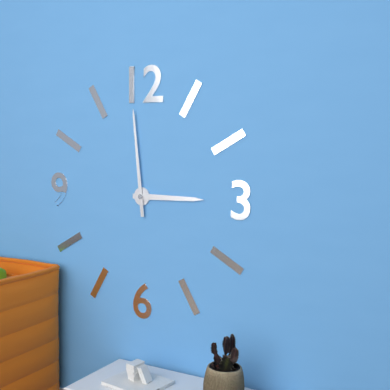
2:59
